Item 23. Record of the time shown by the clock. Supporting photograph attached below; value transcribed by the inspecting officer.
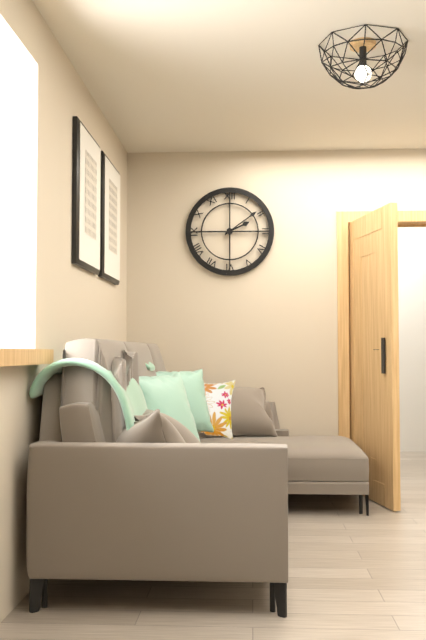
2:09
